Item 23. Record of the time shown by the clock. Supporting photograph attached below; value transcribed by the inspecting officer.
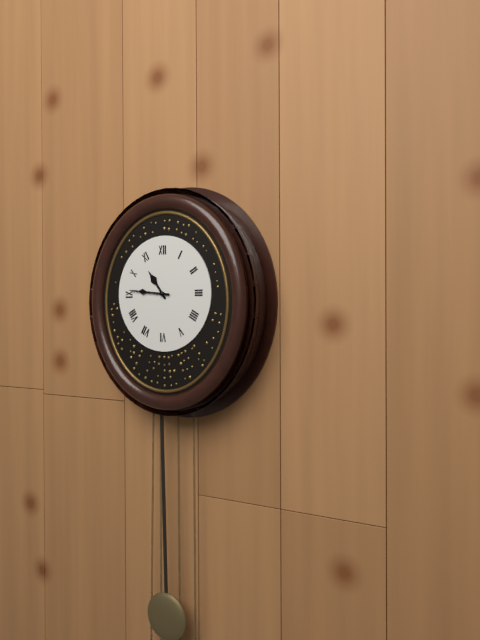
10:46
